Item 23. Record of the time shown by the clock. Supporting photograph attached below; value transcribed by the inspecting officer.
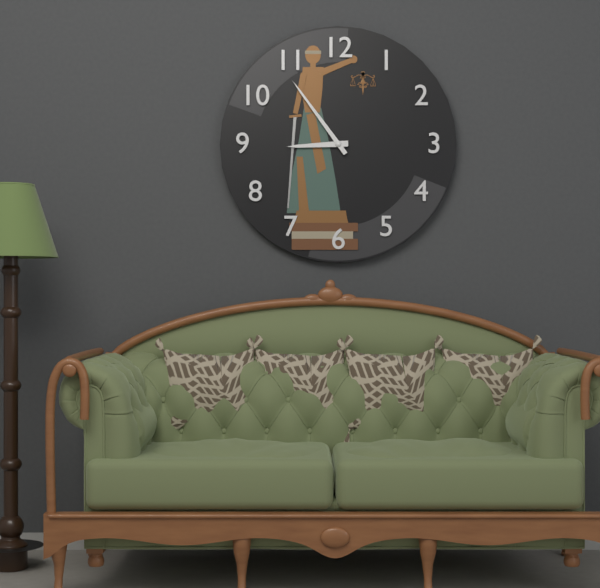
8:54
